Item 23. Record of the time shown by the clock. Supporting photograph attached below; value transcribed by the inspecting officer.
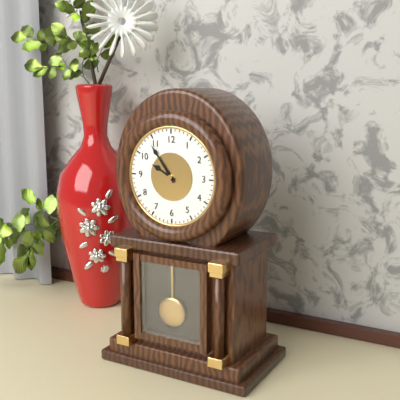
9:54
